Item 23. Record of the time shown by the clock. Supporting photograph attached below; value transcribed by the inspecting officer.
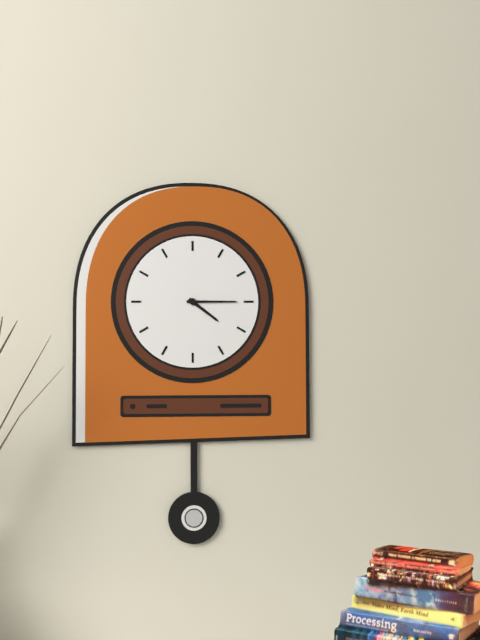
4:15
